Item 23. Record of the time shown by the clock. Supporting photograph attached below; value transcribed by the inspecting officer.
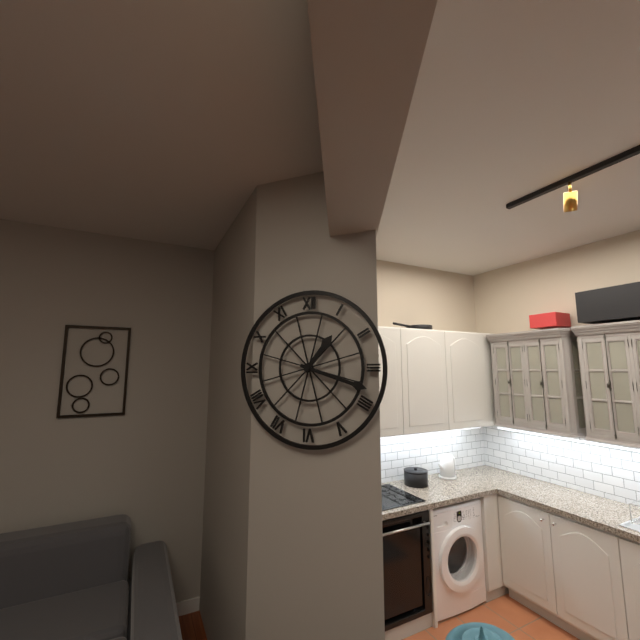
1:18
